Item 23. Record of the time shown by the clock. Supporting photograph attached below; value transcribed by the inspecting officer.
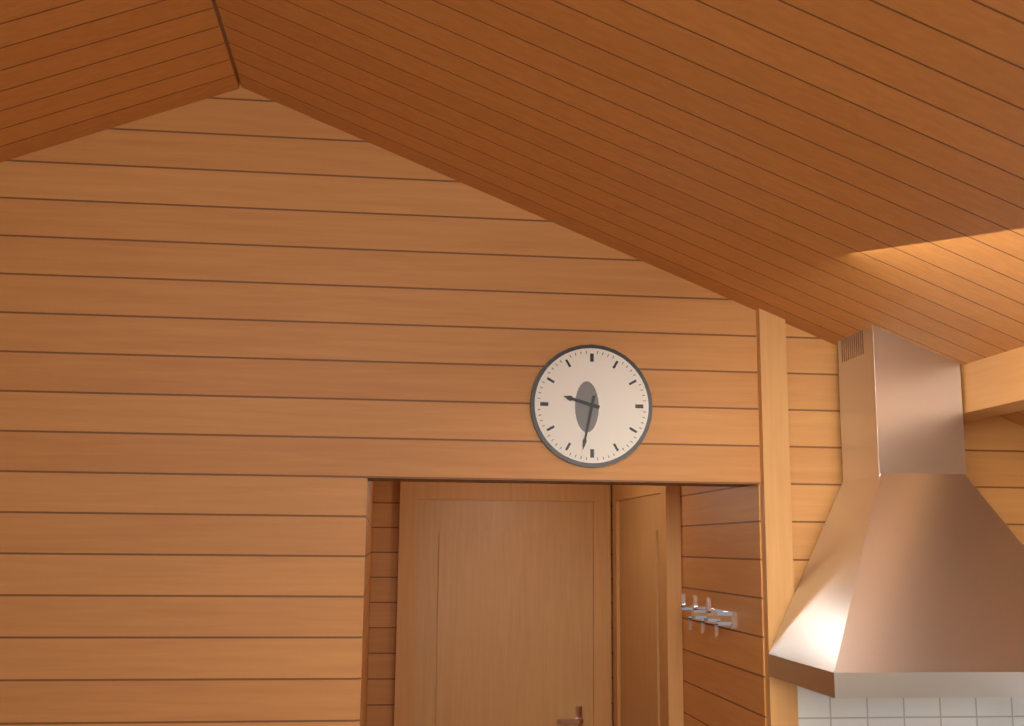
9:32
